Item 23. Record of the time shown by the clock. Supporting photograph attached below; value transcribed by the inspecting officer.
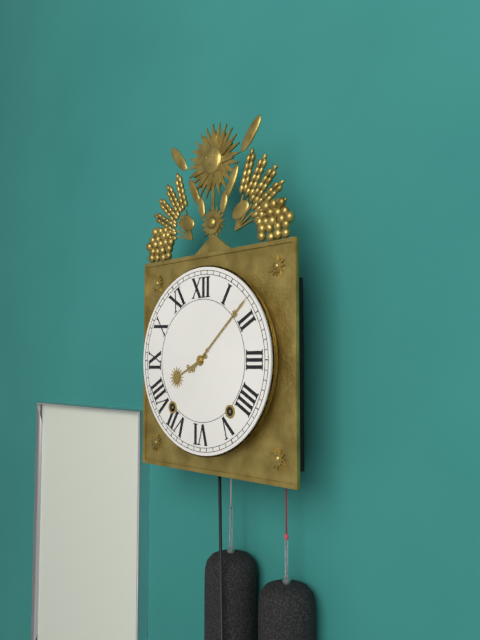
8:08
